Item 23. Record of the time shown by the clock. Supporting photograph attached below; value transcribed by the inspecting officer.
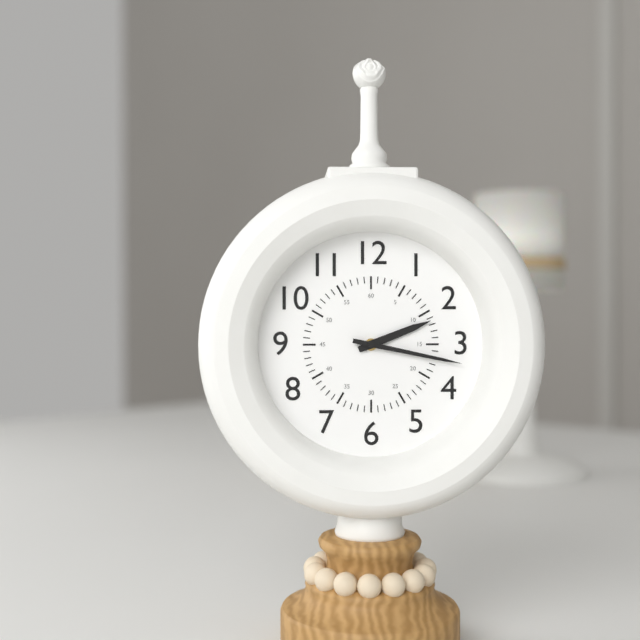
2:17
